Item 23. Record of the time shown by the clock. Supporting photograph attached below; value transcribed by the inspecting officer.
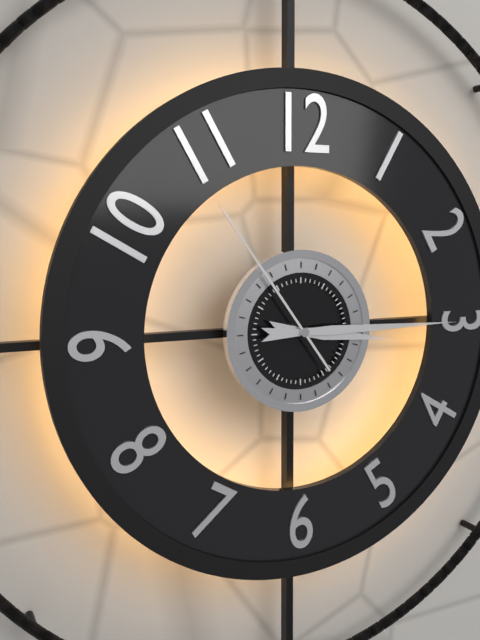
3:15:54
